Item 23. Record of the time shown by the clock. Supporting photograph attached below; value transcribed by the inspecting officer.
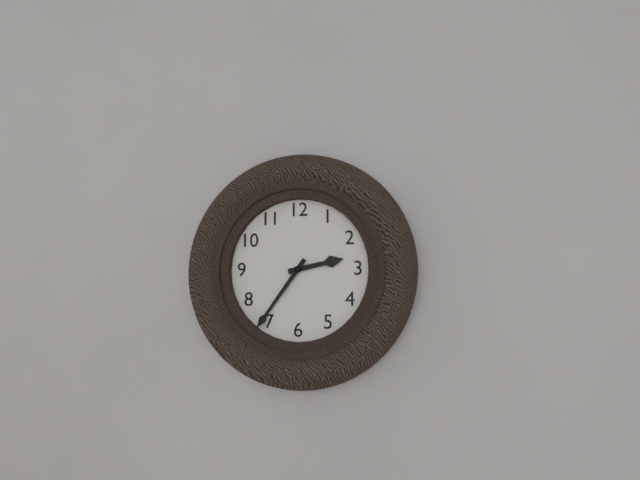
2:36
